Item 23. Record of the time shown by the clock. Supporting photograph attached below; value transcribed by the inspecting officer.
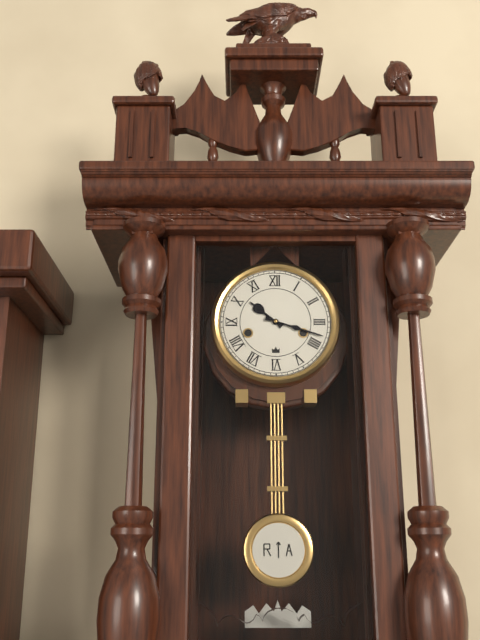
10:18
